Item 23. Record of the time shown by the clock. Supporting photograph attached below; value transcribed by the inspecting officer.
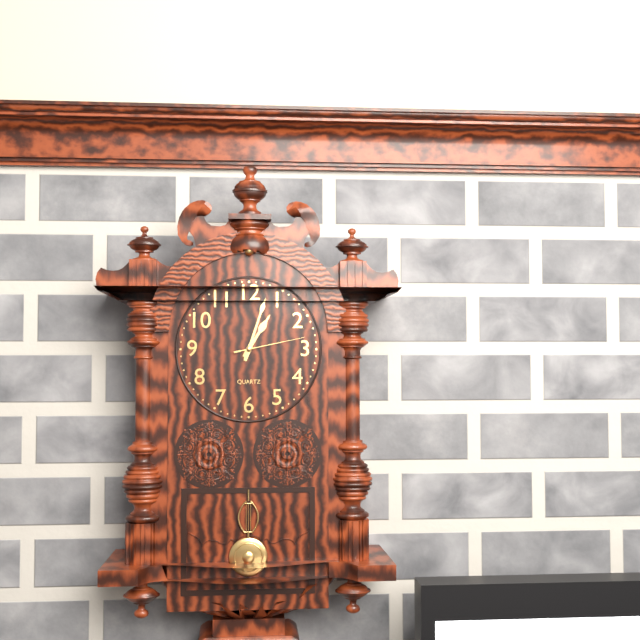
1:03:13
